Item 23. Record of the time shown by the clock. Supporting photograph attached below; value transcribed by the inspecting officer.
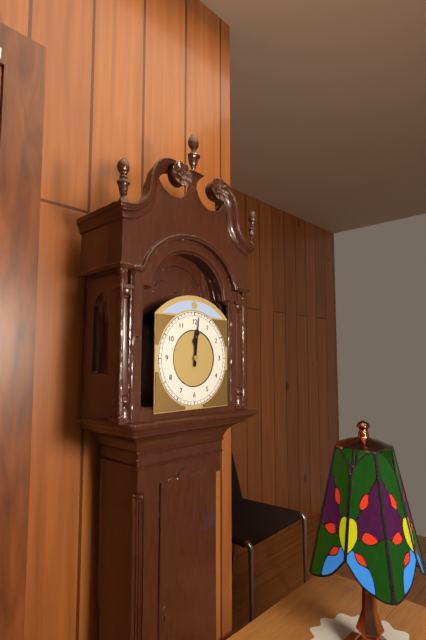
12:01
